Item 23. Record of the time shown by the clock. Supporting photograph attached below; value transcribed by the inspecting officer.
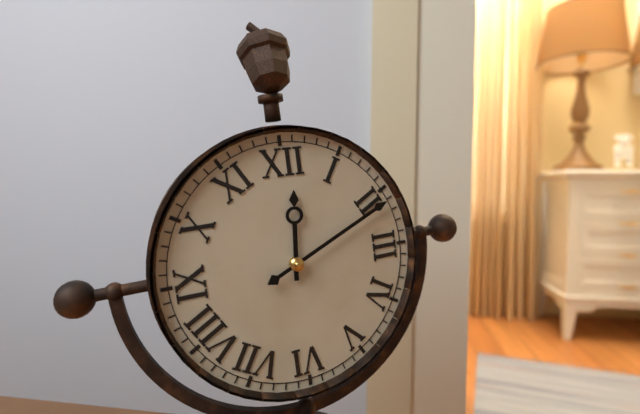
12:11
